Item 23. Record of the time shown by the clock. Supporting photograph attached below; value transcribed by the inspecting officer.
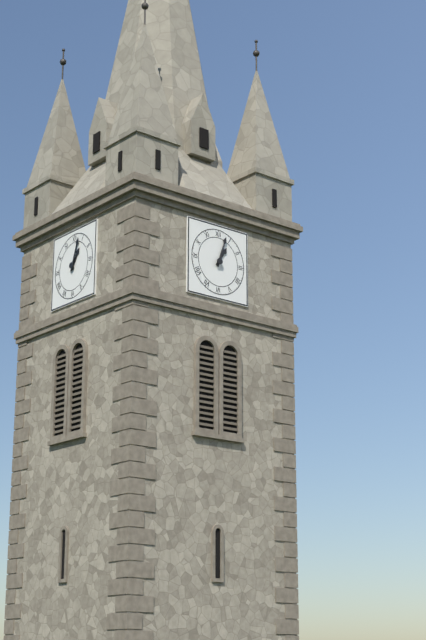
1:03
